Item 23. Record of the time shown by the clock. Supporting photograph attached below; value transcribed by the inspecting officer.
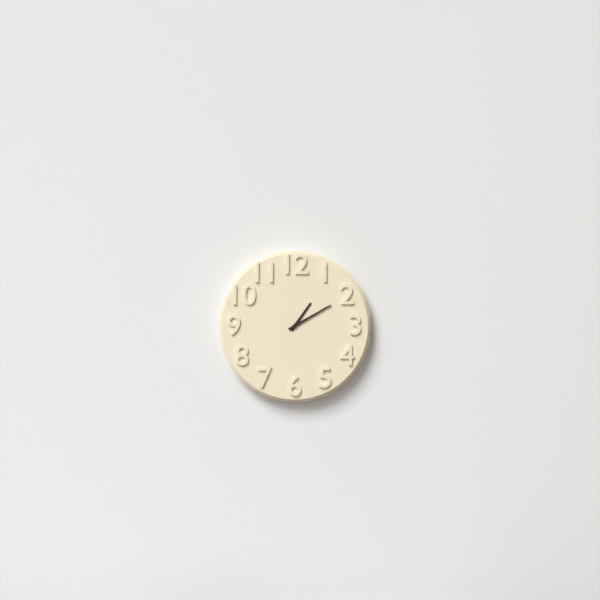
1:10
